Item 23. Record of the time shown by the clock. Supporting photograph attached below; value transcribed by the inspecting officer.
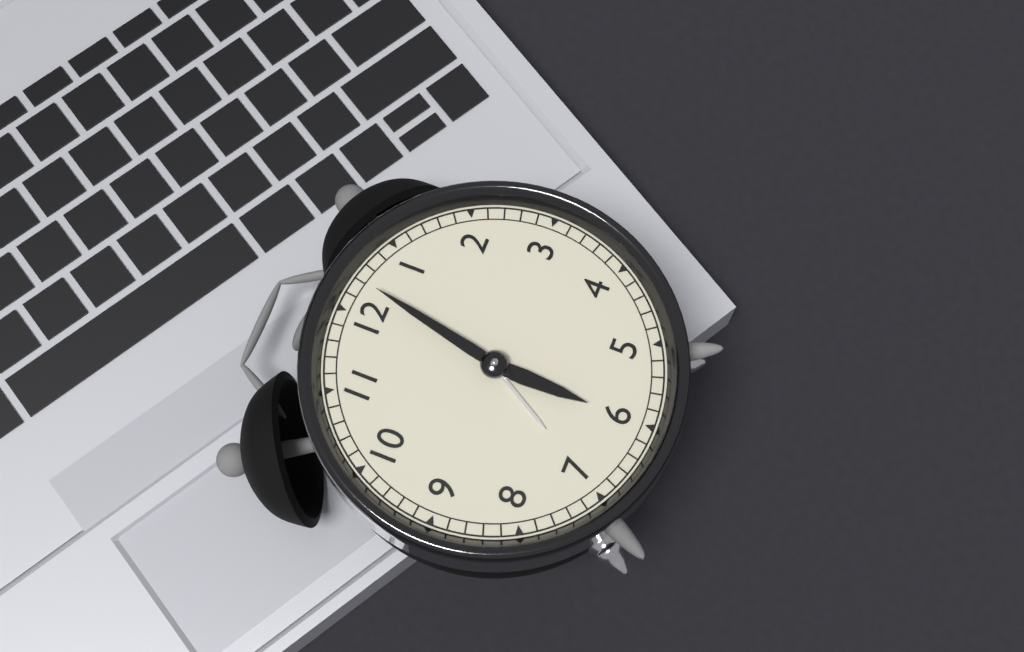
6:02
